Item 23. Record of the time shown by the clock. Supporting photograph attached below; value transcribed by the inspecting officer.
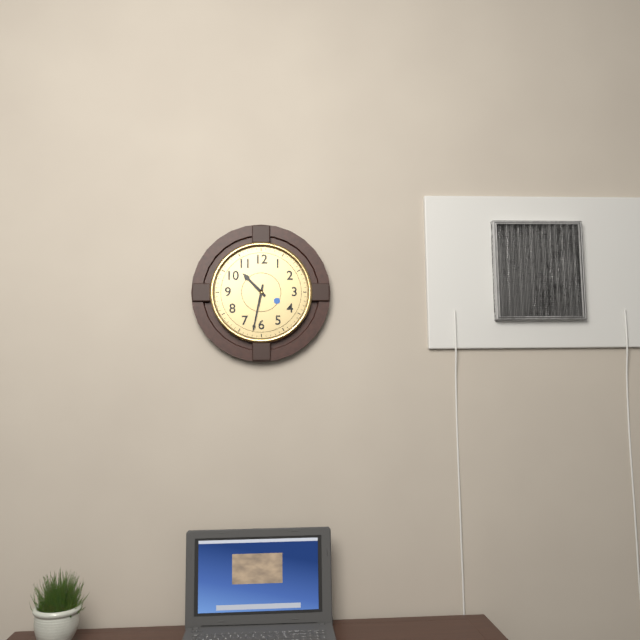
10:32
